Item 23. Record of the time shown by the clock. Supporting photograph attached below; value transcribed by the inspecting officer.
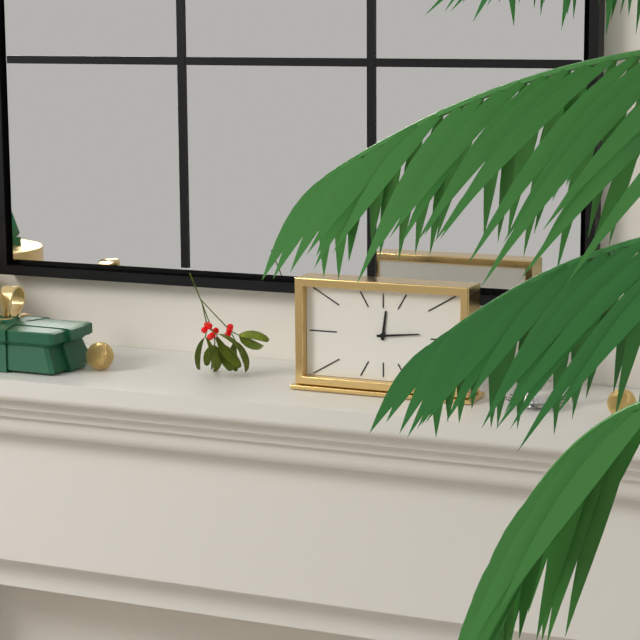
12:14
